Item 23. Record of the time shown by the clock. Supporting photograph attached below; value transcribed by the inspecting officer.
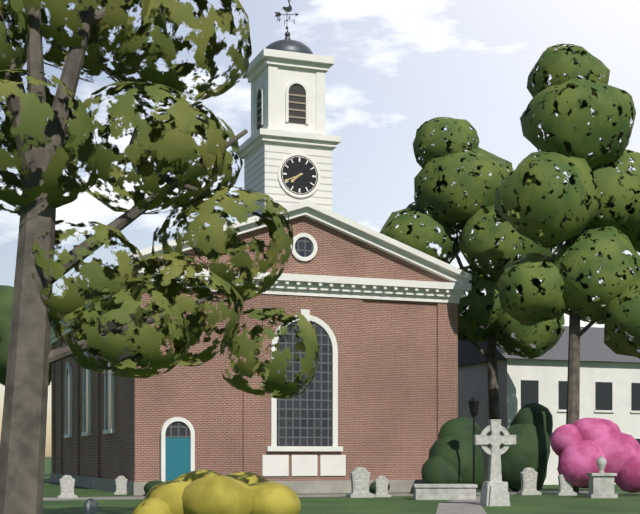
7:41
